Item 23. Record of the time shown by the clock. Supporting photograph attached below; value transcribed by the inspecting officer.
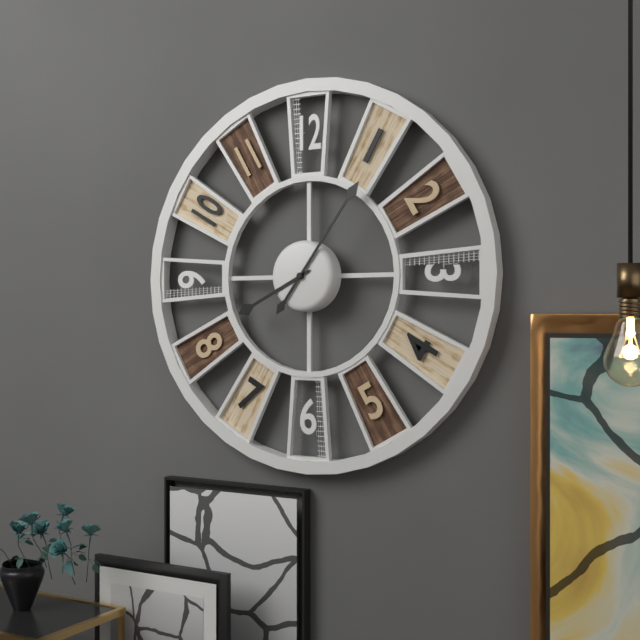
8:06
